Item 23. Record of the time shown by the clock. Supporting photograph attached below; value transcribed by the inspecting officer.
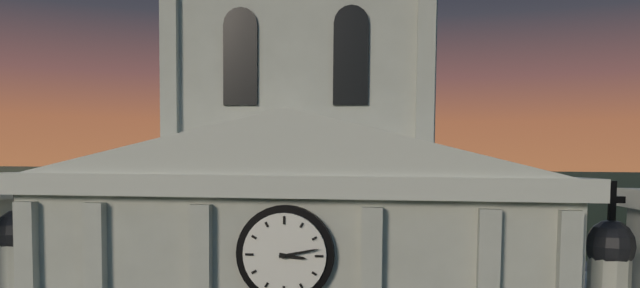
3:13
